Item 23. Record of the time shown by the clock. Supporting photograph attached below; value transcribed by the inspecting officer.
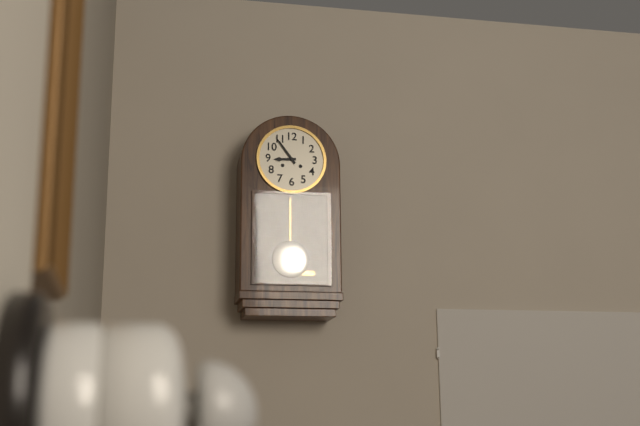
8:54
